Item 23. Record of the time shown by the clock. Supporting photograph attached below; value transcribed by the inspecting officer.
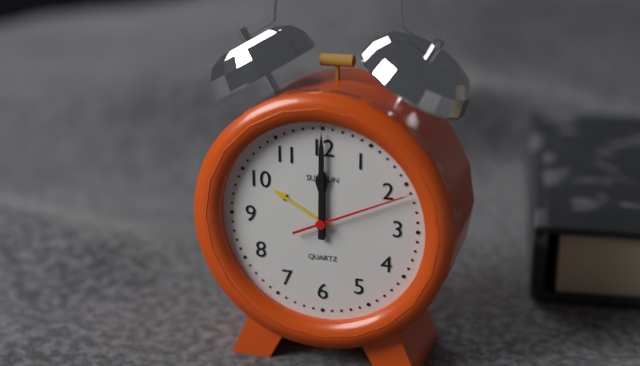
12:00:11
